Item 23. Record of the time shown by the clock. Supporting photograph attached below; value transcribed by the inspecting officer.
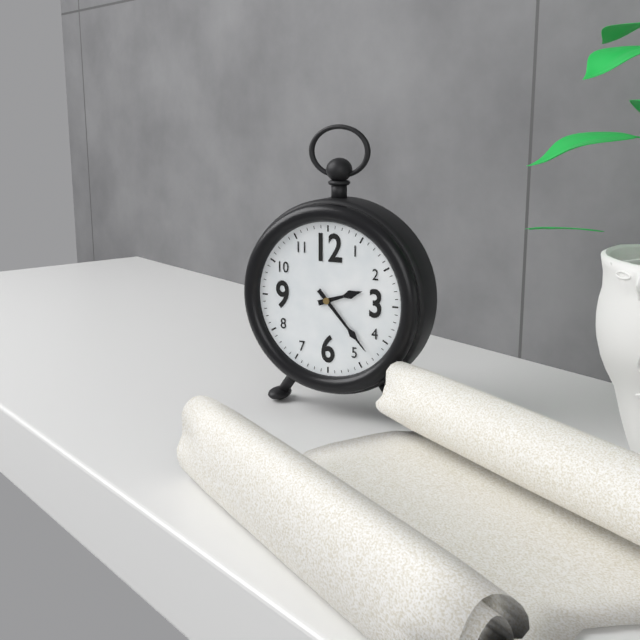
2:23
